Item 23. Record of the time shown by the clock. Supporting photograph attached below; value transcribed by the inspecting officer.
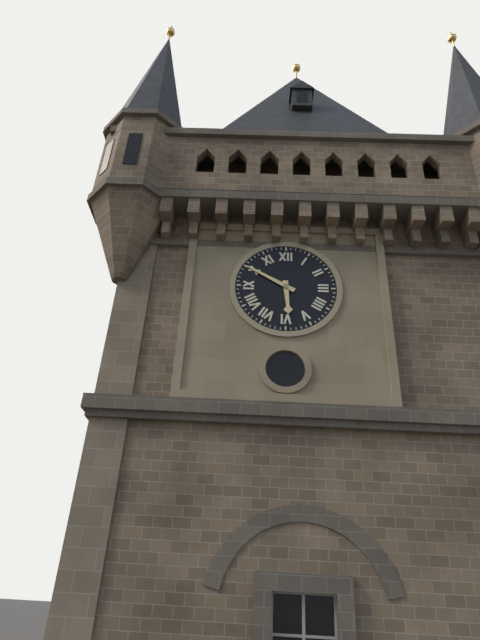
5:50
